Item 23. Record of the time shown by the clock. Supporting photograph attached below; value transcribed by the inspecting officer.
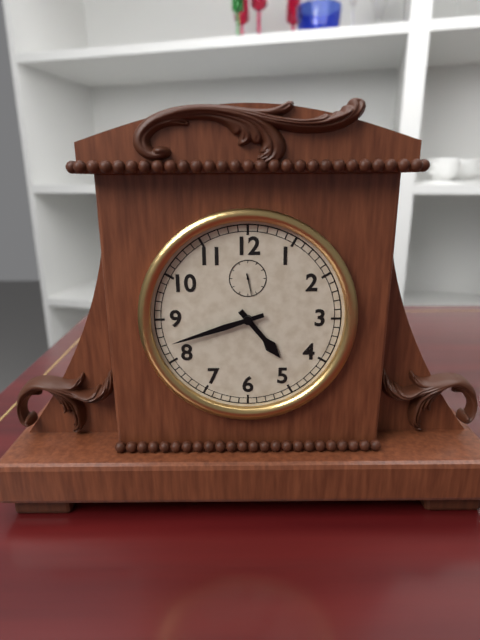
4:42
